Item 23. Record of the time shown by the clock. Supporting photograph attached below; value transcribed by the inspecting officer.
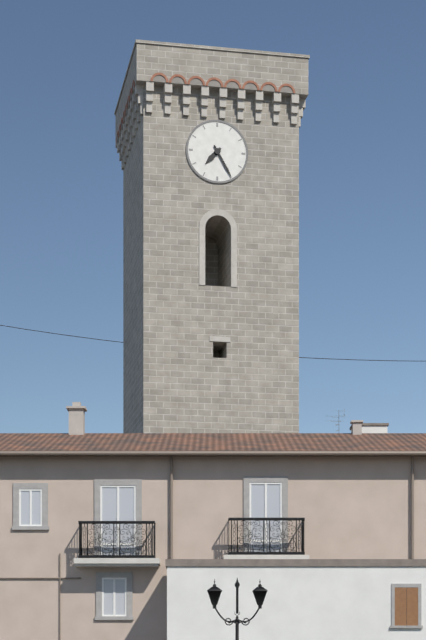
7:25
